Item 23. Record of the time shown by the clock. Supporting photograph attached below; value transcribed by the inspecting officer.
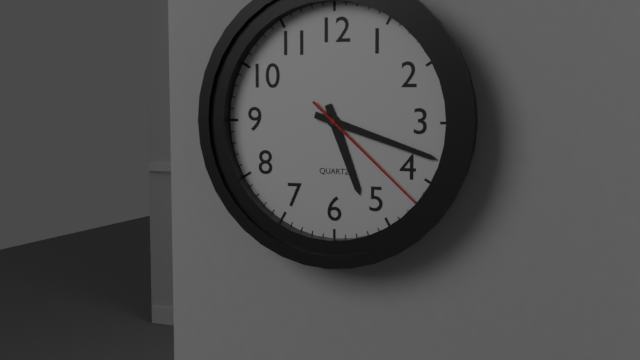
5:18:22
